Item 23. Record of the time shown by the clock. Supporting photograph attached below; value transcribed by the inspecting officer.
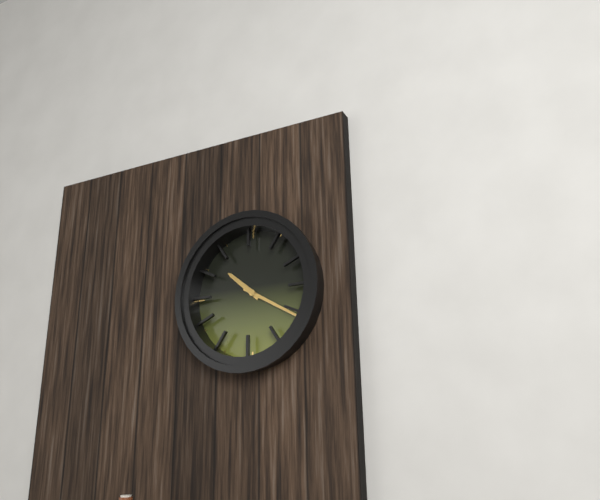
10:20
